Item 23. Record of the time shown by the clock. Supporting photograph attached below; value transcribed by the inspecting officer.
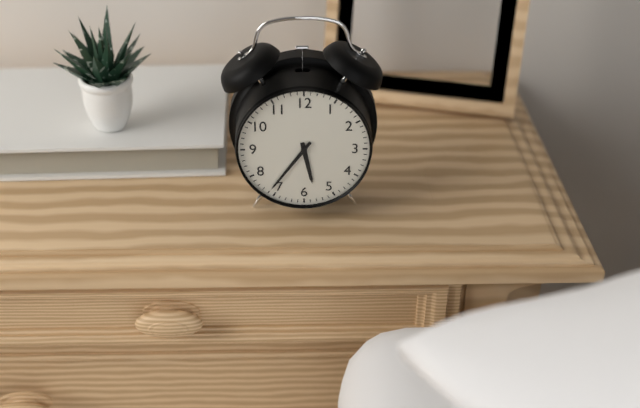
5:36
